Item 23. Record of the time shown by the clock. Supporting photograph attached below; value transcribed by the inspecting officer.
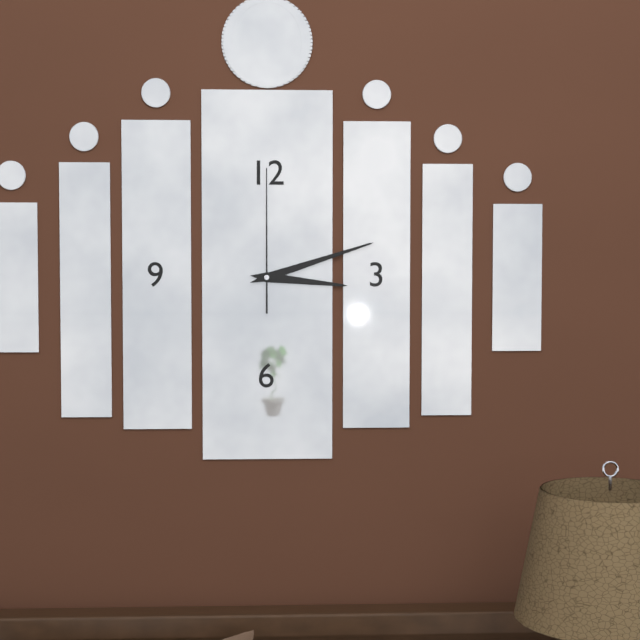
3:12:00
